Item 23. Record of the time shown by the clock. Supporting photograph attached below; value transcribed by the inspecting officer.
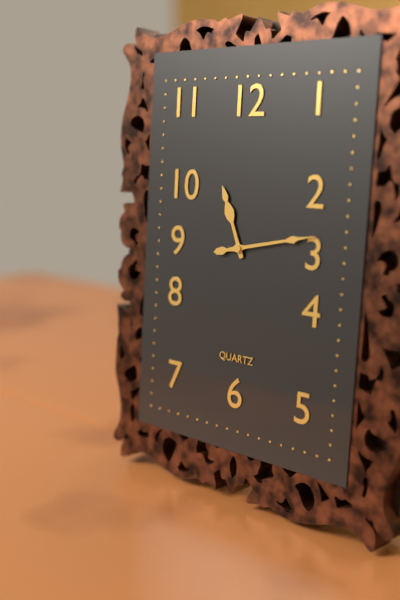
11:13
